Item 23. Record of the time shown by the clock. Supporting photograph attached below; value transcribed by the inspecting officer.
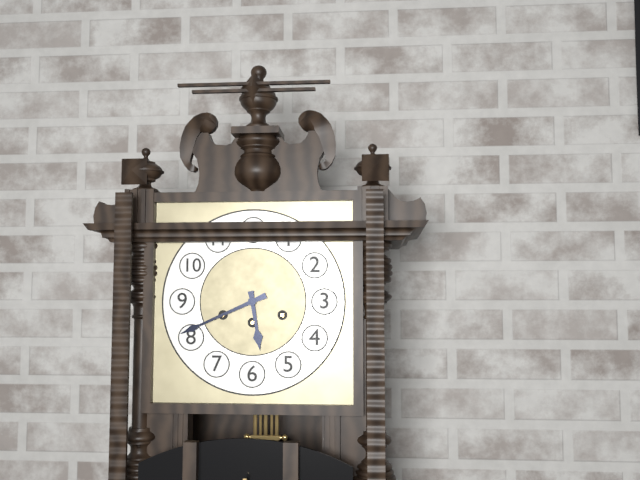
5:41
